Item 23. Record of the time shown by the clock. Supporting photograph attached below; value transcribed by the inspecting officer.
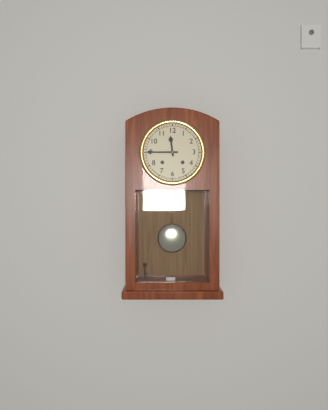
11:45
